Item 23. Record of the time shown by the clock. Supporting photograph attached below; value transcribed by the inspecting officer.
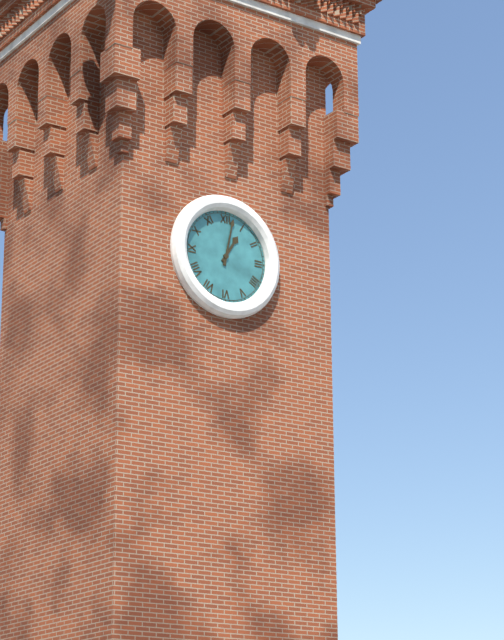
1:02
